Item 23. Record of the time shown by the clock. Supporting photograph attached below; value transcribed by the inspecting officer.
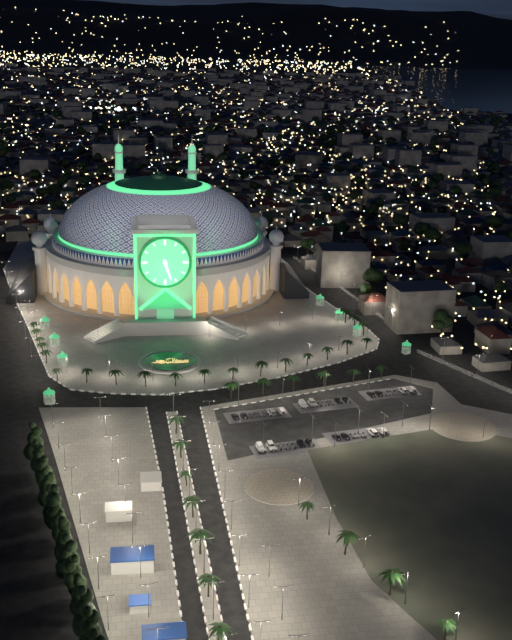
5:27
